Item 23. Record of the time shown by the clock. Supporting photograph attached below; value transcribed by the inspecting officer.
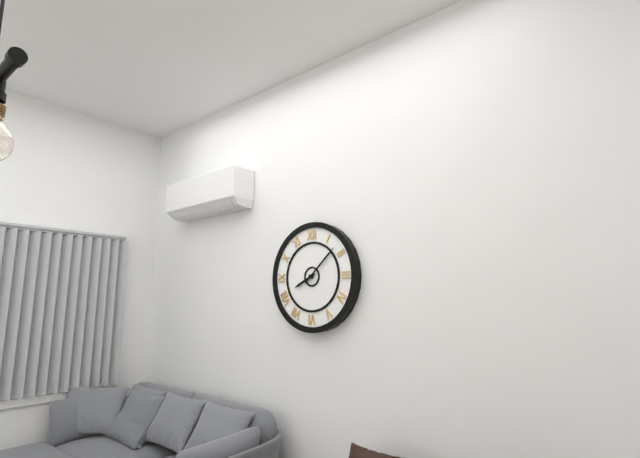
8:08
